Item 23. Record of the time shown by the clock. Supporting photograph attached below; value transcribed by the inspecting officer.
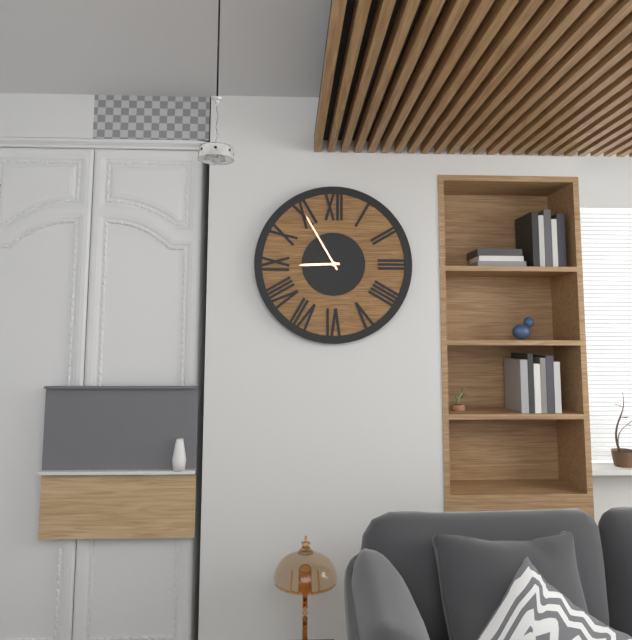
8:55
